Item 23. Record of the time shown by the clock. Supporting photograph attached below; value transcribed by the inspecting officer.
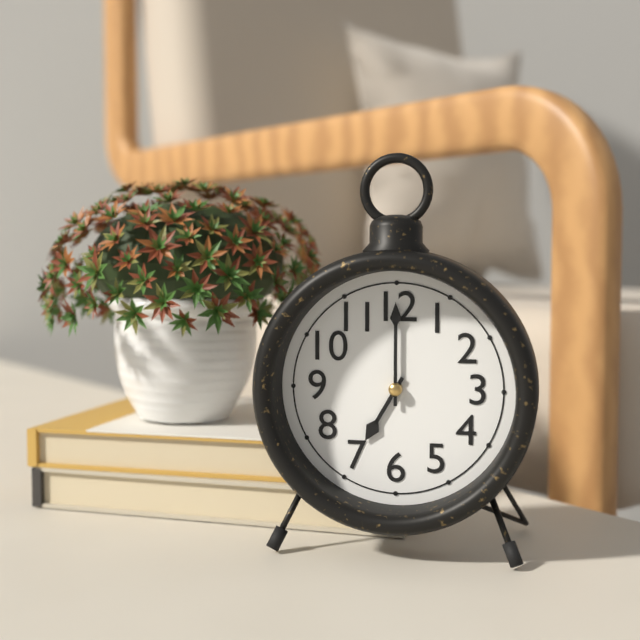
7:00
